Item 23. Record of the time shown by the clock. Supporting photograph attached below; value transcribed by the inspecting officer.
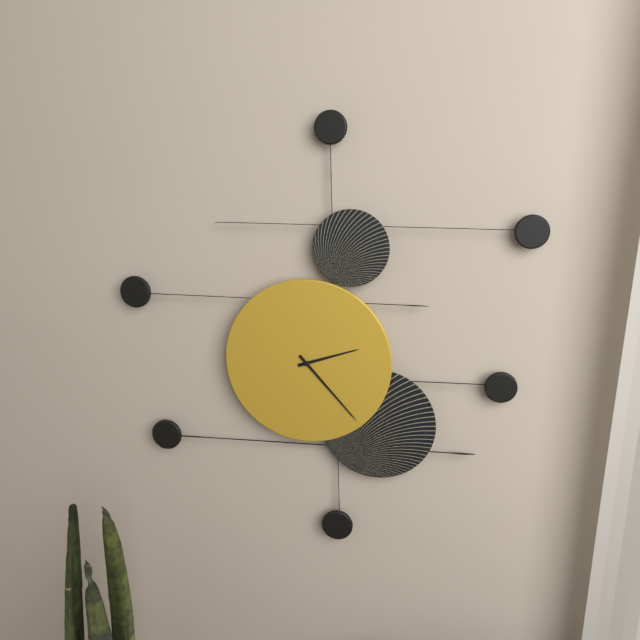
2:23
